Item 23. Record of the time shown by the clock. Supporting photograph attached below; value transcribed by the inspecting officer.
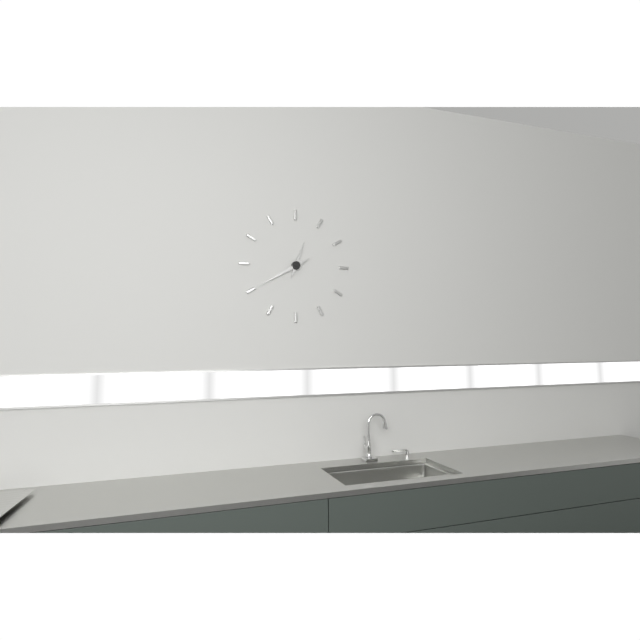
12:40
